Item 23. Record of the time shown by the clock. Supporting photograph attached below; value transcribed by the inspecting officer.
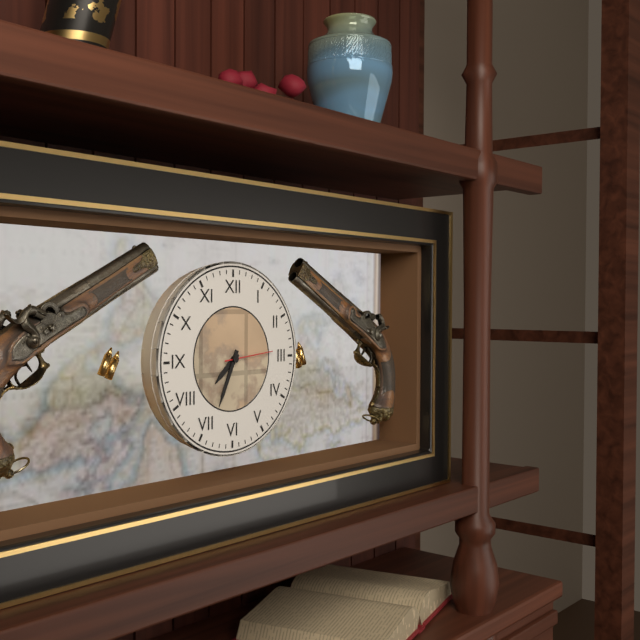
7:34
